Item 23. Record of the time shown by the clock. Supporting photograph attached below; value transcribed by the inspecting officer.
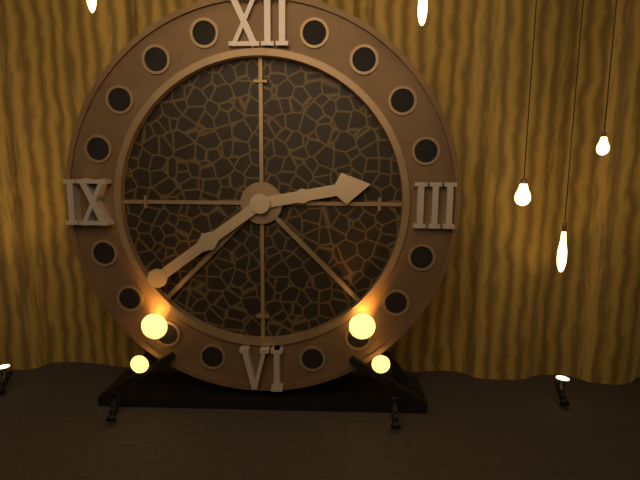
2:39
